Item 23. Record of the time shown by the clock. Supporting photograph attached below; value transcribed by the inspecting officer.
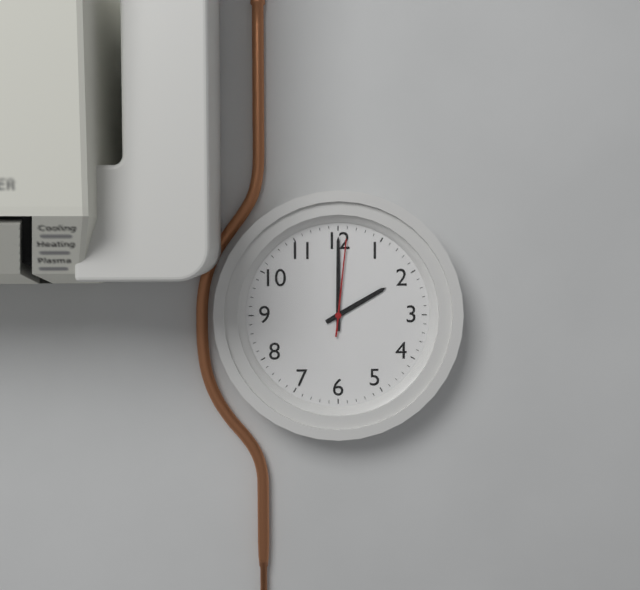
2:00:01
